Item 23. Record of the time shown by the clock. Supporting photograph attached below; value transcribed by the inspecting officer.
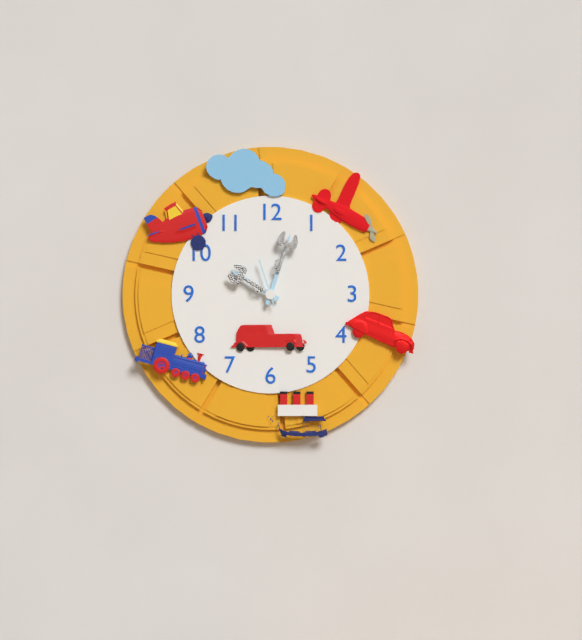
10:03
